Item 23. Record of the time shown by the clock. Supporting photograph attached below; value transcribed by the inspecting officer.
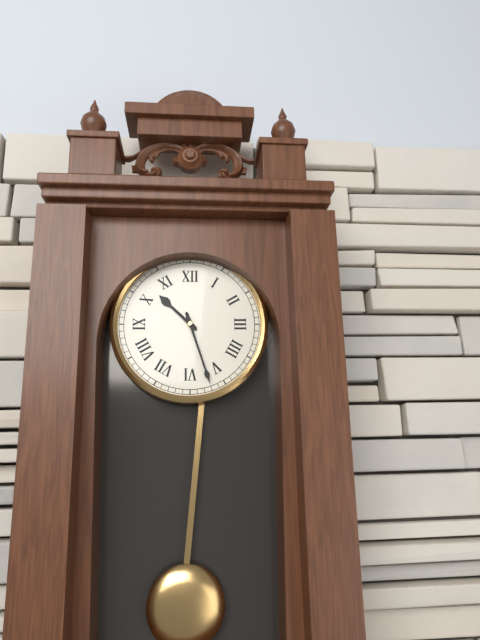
10:27
